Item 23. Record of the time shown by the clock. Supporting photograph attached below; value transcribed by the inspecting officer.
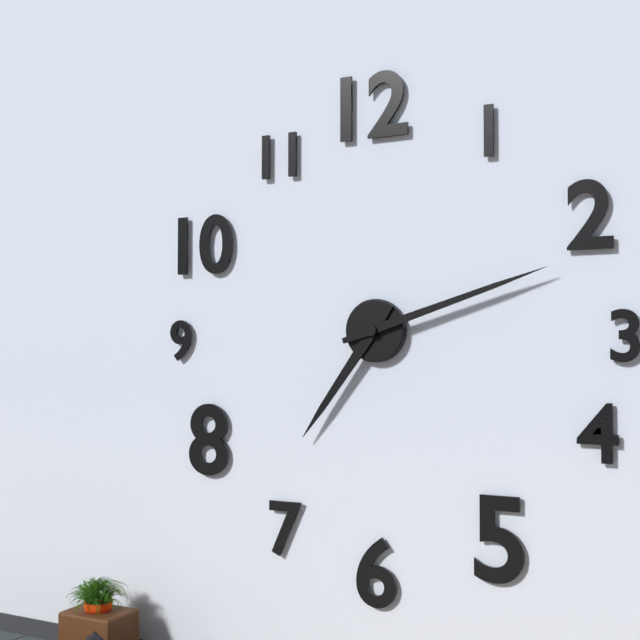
7:12
